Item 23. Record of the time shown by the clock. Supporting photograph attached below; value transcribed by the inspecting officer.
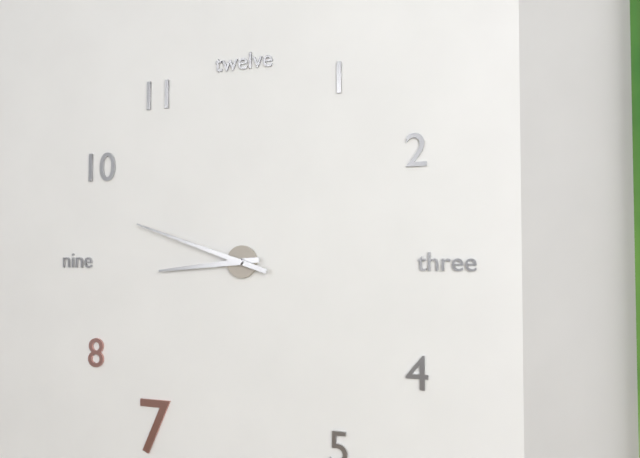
8:48
